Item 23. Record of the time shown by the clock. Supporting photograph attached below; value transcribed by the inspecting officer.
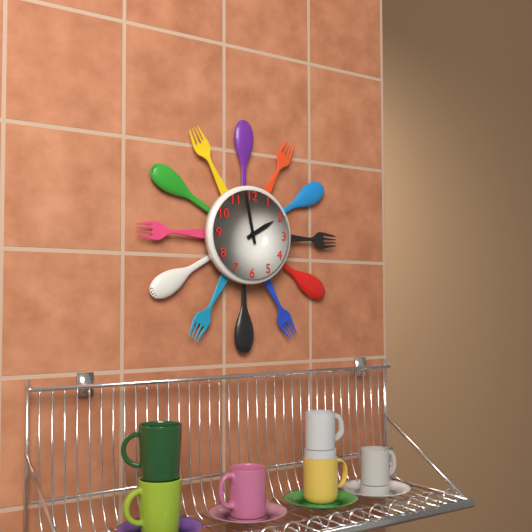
1:58
